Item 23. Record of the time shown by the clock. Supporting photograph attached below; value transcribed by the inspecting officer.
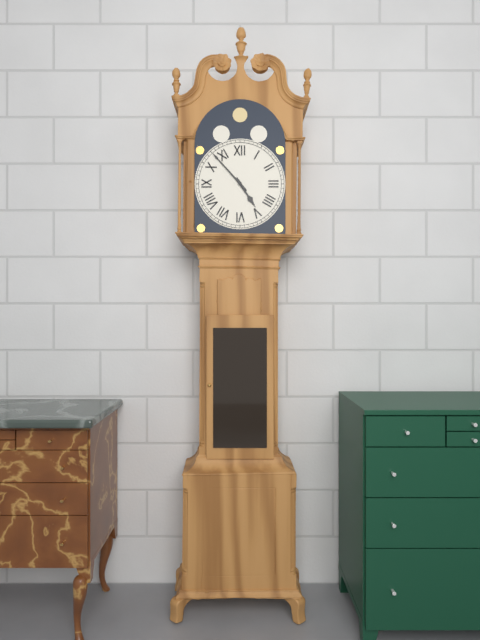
4:53
